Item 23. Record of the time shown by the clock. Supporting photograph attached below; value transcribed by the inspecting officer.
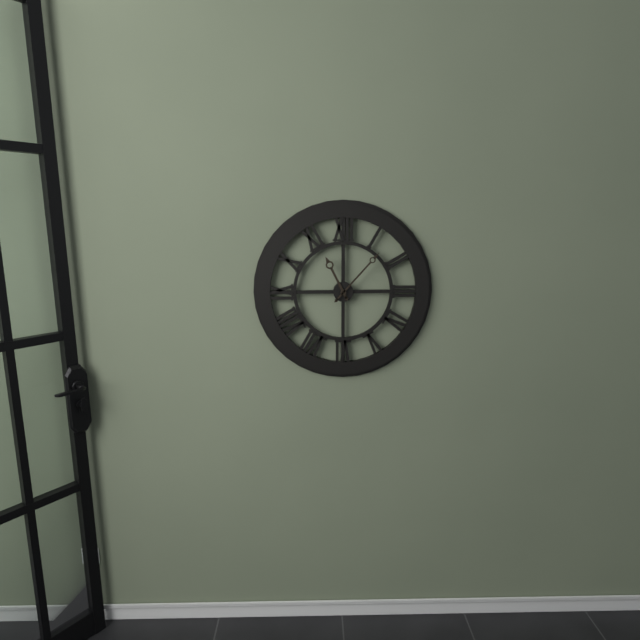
11:07
